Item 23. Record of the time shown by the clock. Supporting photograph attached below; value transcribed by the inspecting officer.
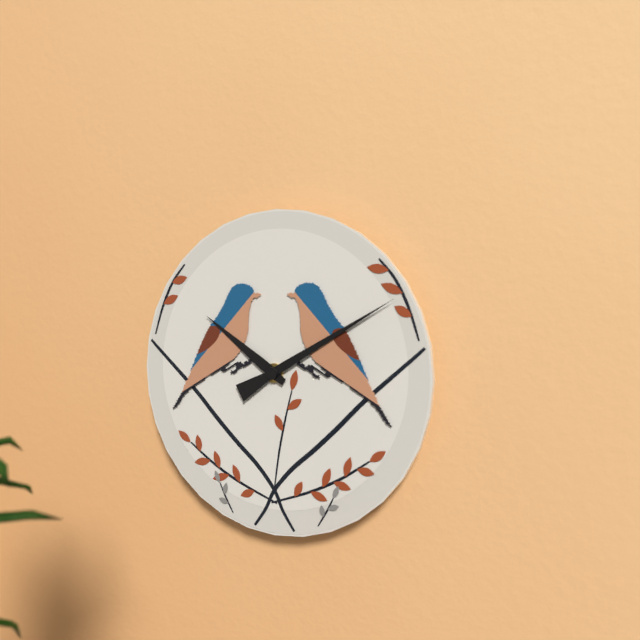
10:10
